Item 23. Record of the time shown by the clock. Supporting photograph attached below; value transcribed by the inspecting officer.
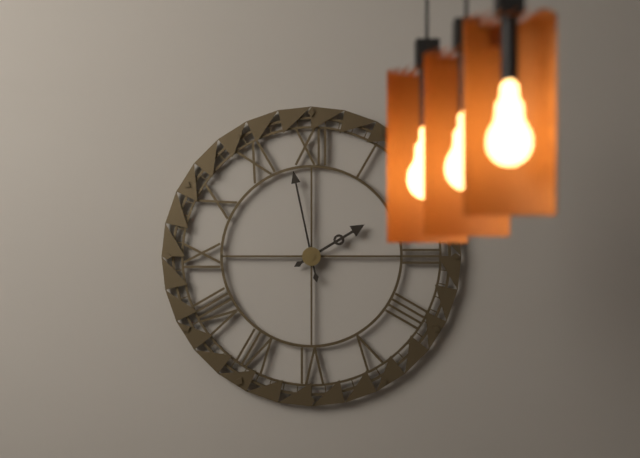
1:58
